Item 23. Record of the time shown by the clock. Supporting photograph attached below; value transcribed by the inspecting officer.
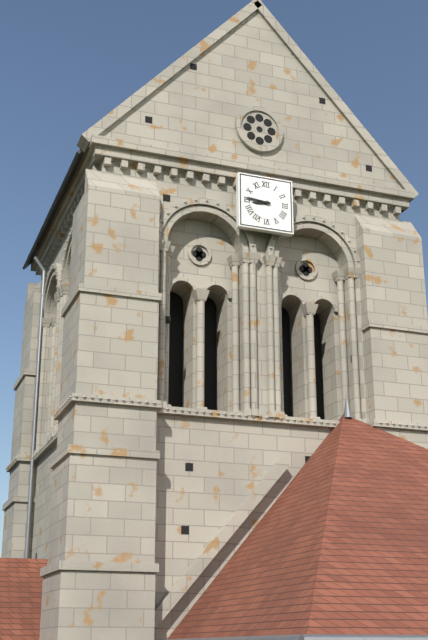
8:46
